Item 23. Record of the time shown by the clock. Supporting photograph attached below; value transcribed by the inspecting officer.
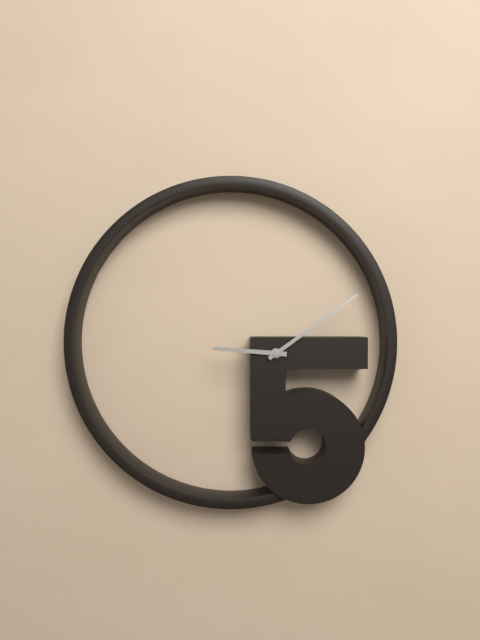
9:09
